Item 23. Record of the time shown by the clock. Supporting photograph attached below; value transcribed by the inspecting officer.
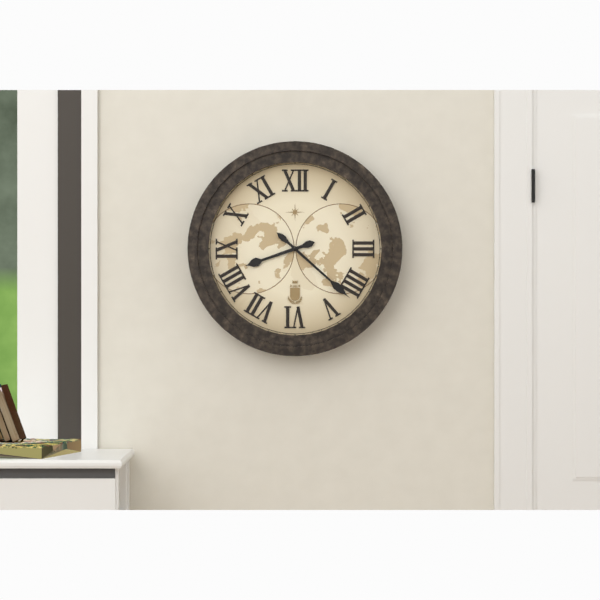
8:22
